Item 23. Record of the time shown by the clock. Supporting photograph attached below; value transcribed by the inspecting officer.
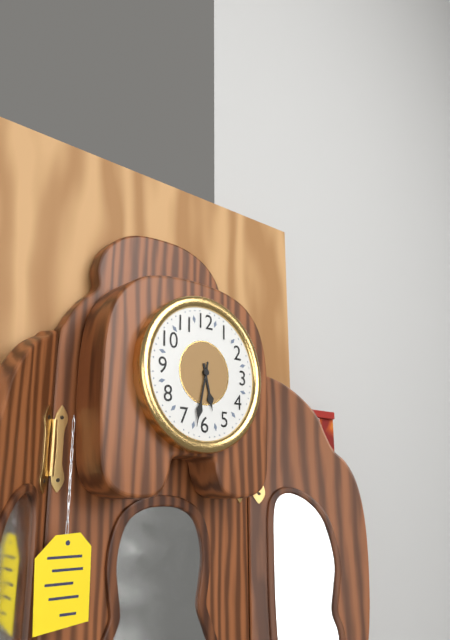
5:32
